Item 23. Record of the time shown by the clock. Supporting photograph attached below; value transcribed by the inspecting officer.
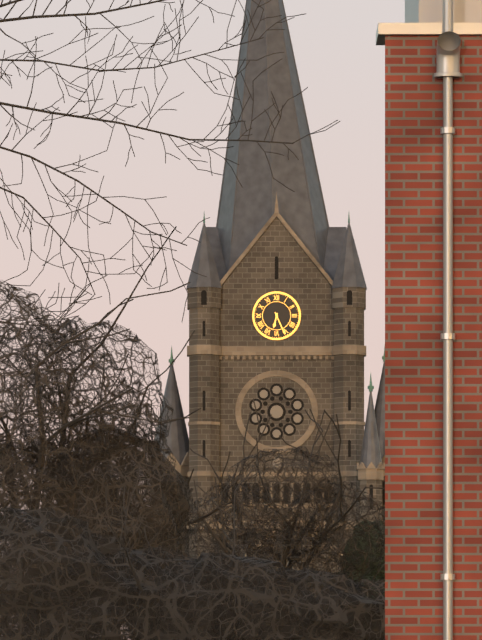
6:26
